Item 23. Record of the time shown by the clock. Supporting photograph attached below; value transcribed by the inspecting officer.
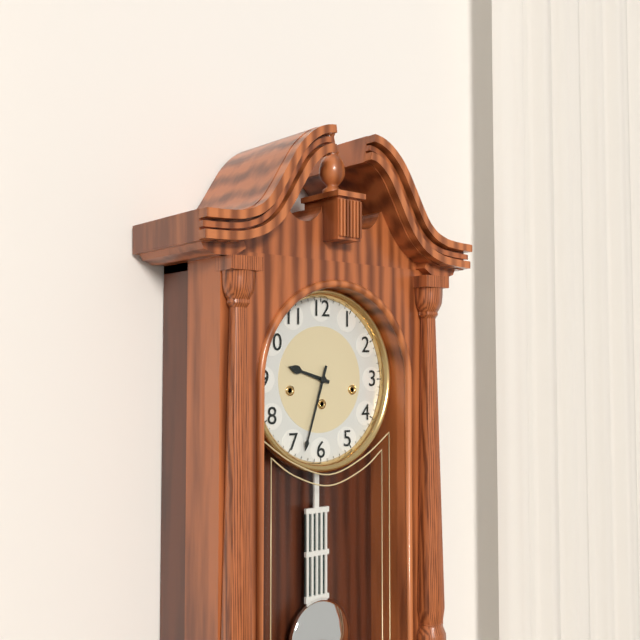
9:33
